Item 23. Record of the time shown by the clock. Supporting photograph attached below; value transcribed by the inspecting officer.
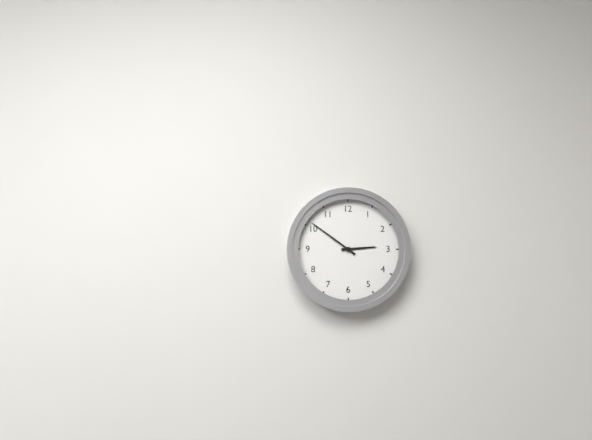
2:51
